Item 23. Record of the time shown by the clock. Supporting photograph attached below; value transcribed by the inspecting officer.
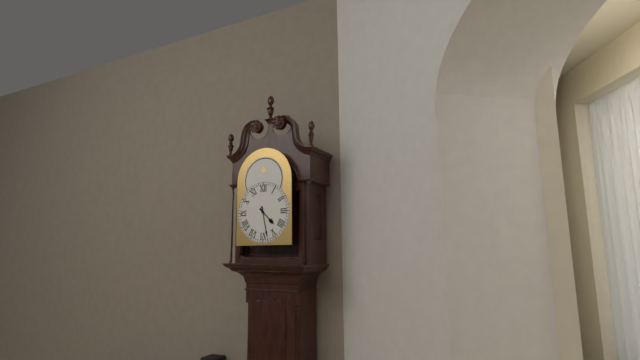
4:28
